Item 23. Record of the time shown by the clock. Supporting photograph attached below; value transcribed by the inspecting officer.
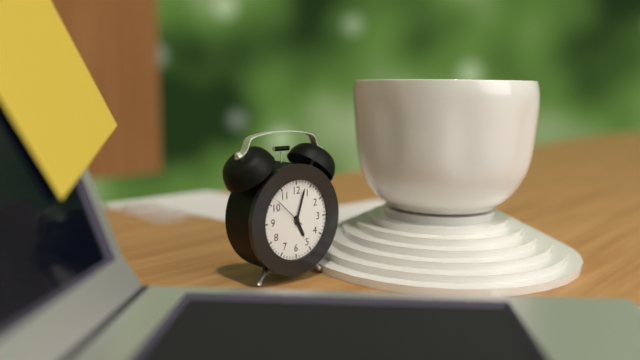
5:03
